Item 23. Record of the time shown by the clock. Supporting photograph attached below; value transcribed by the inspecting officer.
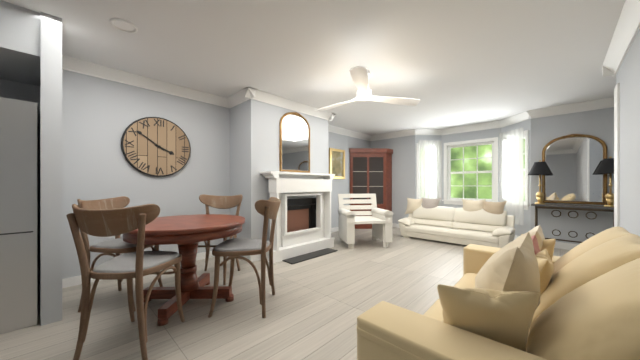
3:51
